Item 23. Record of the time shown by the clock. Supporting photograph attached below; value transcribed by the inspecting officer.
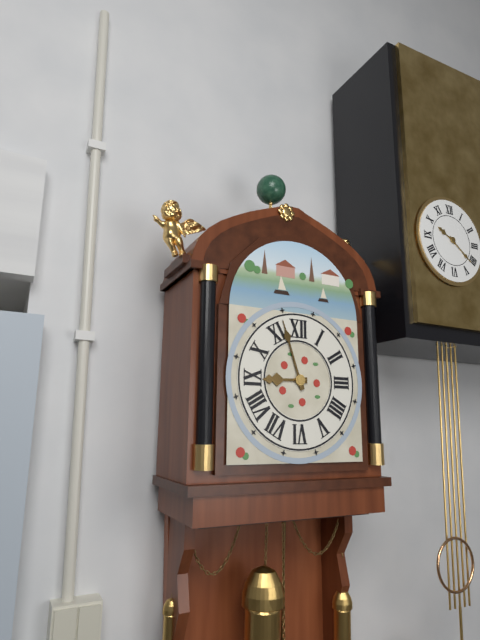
8:57
